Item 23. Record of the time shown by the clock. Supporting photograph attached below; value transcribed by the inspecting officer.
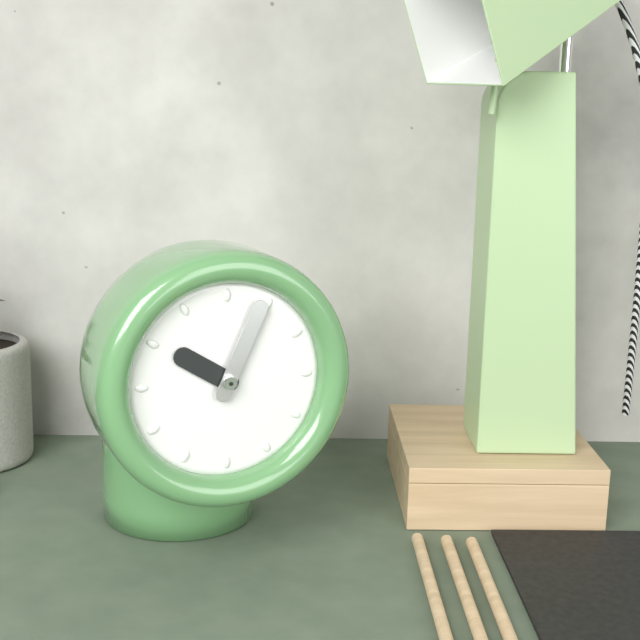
10:04
